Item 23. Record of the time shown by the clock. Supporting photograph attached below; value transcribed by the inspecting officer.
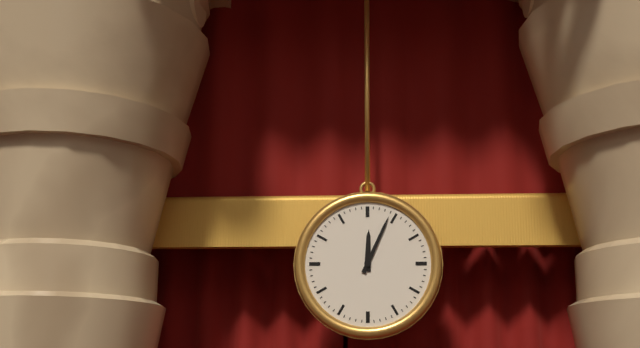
12:04
